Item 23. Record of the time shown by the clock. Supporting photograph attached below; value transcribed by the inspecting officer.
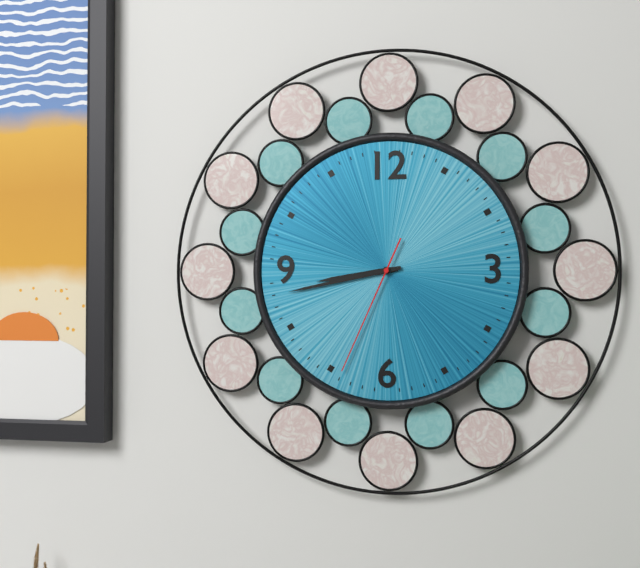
8:43:34
